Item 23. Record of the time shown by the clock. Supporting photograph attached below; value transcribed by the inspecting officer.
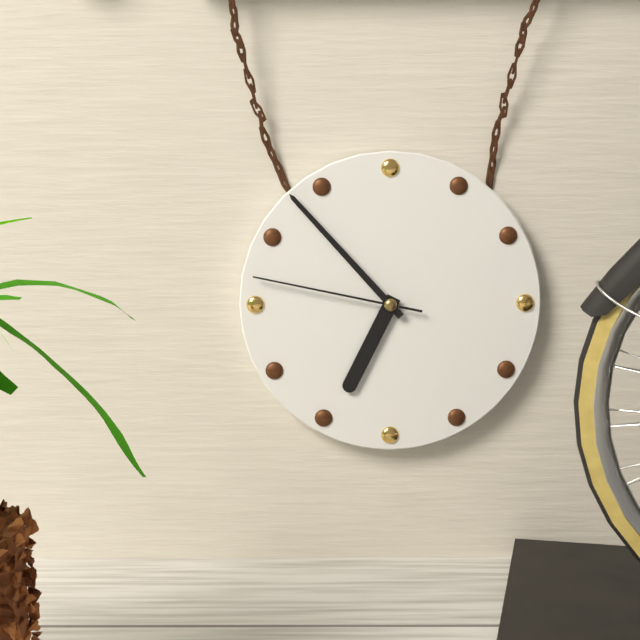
6:53:47
